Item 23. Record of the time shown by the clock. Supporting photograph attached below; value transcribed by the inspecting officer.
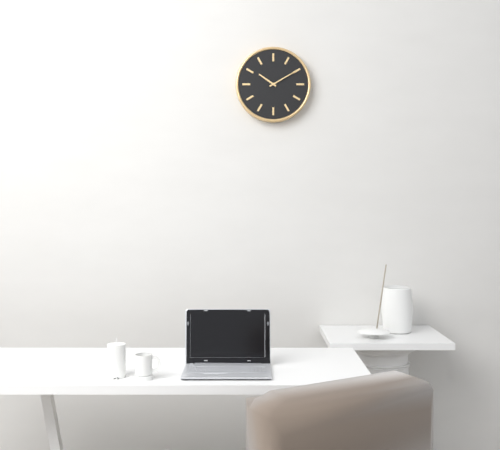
10:10
